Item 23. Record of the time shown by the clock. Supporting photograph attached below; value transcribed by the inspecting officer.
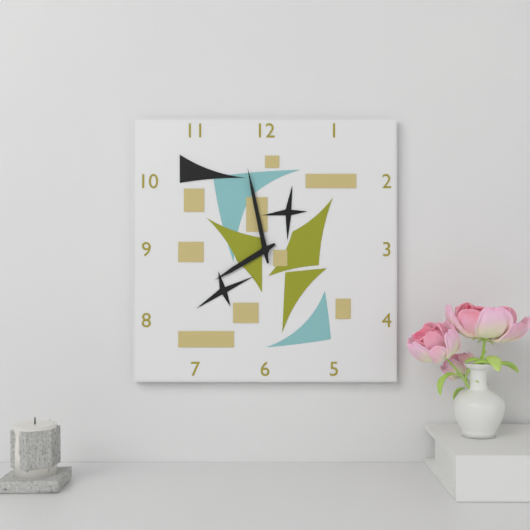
7:58
